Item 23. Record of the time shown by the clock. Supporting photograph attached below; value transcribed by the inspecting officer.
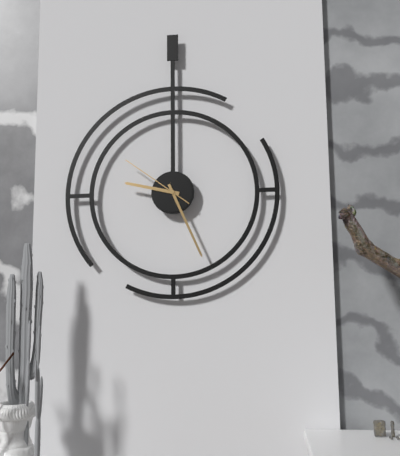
9:26:51
